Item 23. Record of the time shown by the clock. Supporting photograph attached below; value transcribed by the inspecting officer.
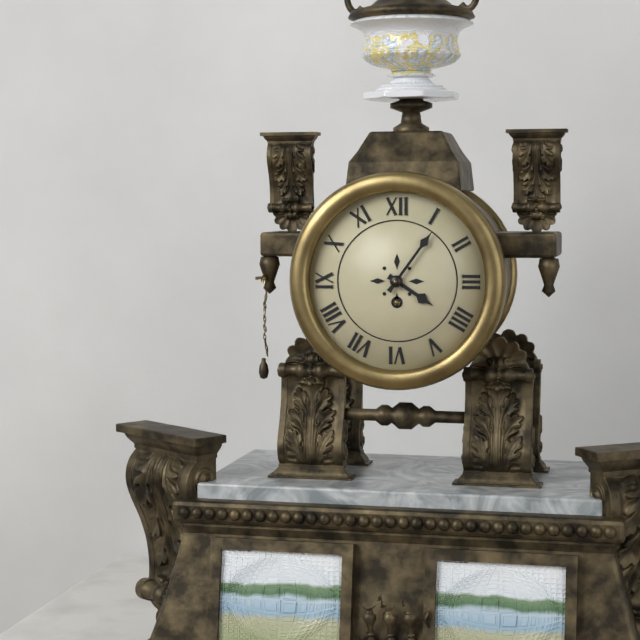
4:06
